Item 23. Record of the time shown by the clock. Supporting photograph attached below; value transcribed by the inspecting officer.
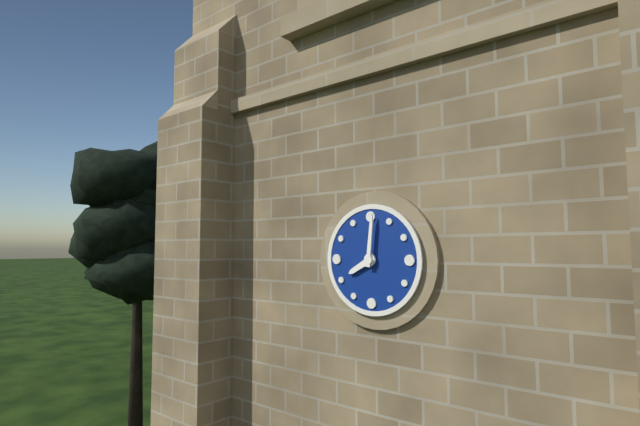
8:01
